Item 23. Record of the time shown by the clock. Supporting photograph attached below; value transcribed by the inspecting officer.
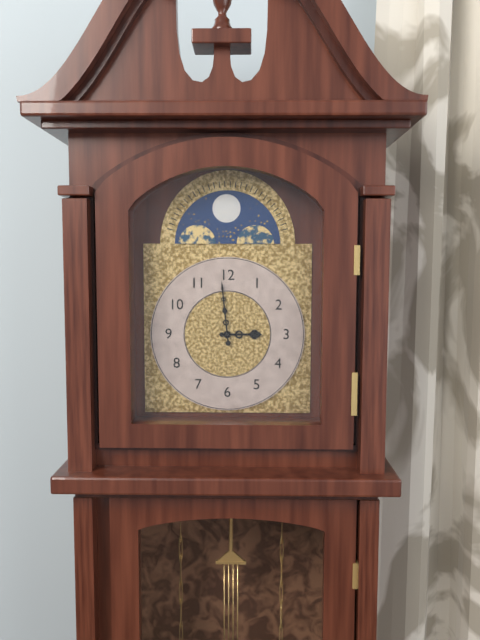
2:59
